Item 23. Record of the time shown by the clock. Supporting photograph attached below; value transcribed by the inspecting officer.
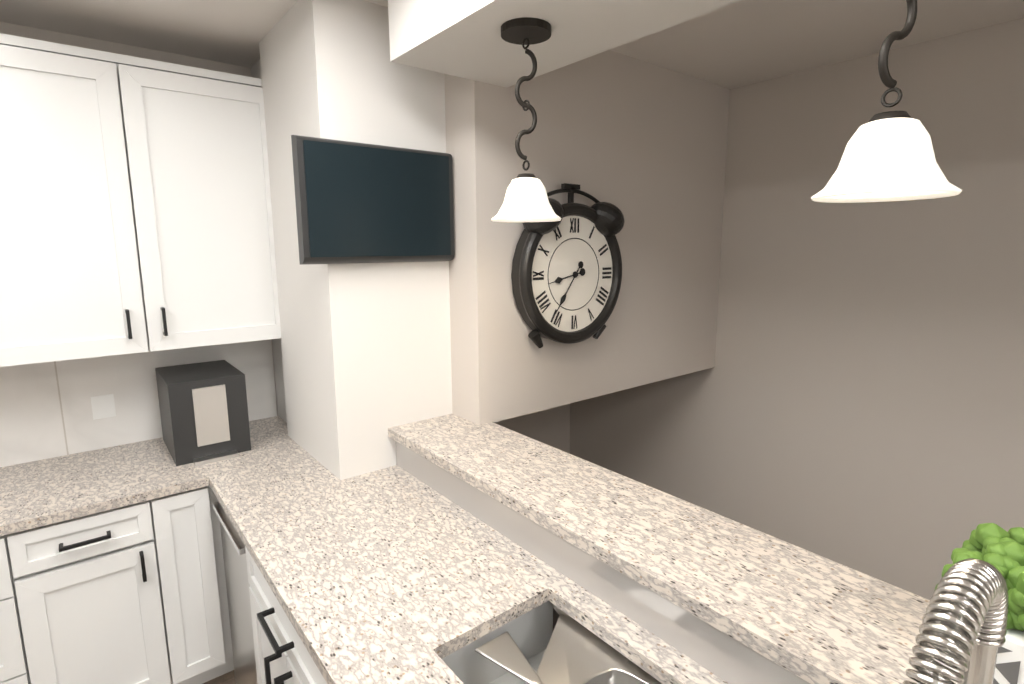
8:36
